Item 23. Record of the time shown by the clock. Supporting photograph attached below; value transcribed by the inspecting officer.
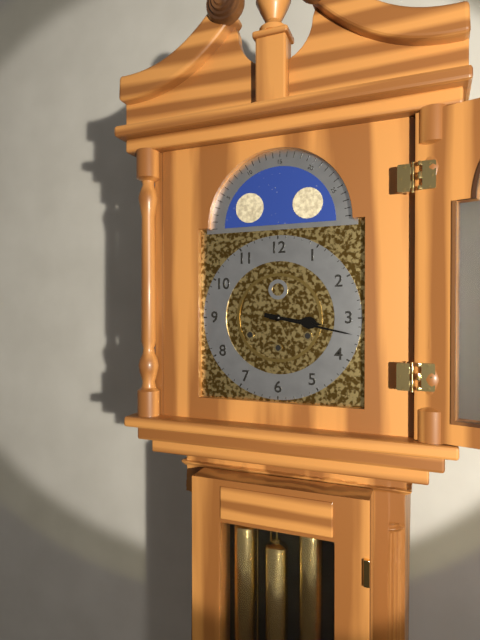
3:17
